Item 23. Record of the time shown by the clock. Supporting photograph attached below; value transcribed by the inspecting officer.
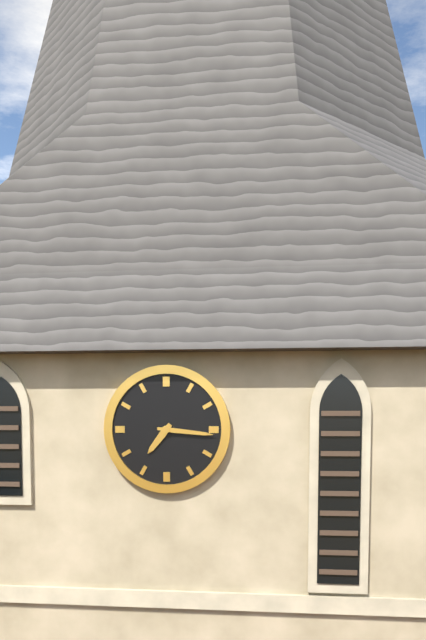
7:16
